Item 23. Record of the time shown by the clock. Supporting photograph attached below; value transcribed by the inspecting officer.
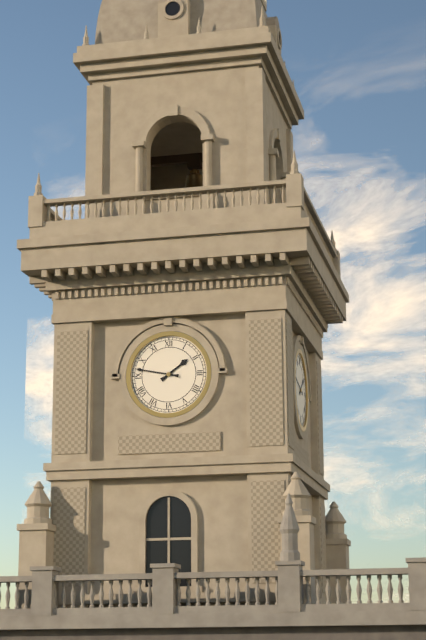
1:47
